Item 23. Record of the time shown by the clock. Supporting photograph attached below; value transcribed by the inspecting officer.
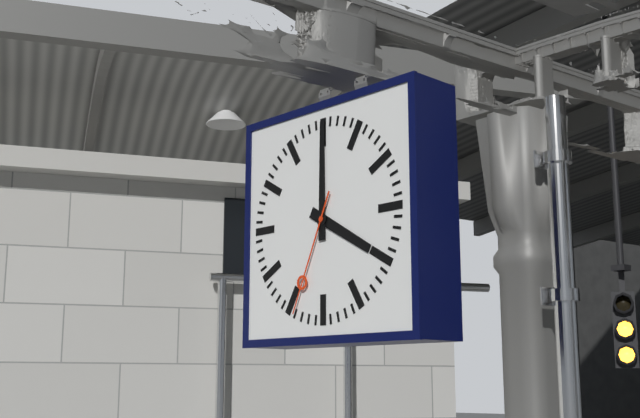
4:00:34
